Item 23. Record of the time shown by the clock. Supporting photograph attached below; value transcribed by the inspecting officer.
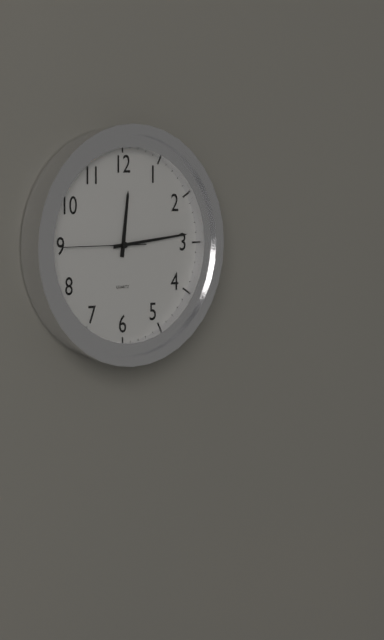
12:14:45
